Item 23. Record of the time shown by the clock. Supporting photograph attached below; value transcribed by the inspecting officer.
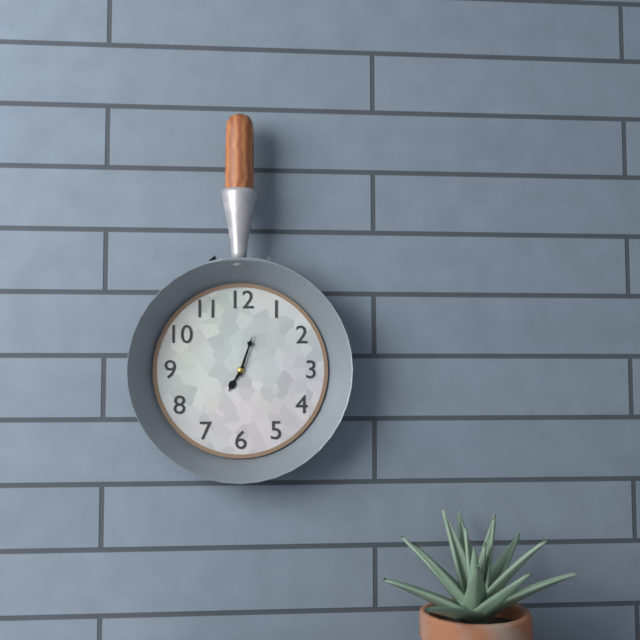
7:03
